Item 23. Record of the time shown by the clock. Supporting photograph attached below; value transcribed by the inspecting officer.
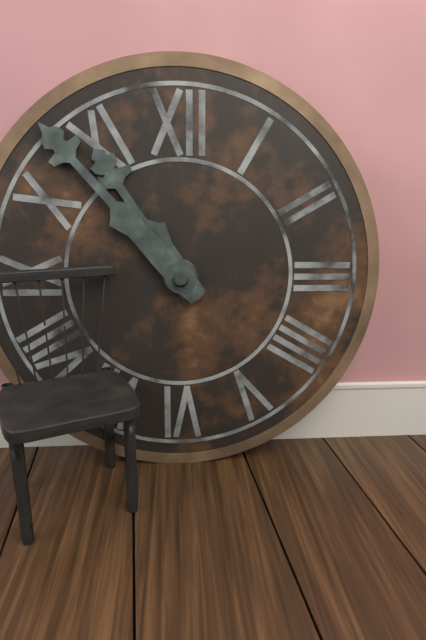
10:53
